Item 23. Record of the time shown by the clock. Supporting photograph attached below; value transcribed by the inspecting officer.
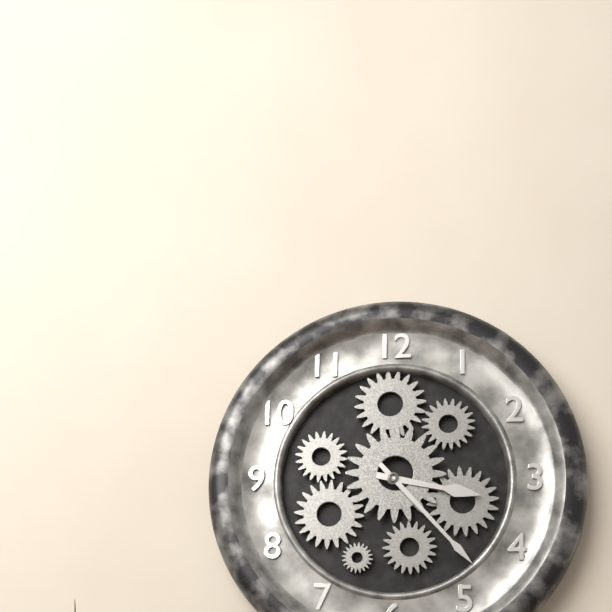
3:23
